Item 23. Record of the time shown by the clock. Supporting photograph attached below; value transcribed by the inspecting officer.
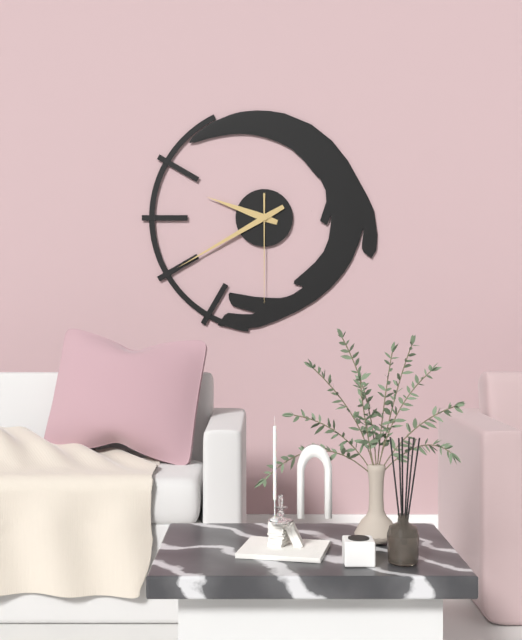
9:40:30
